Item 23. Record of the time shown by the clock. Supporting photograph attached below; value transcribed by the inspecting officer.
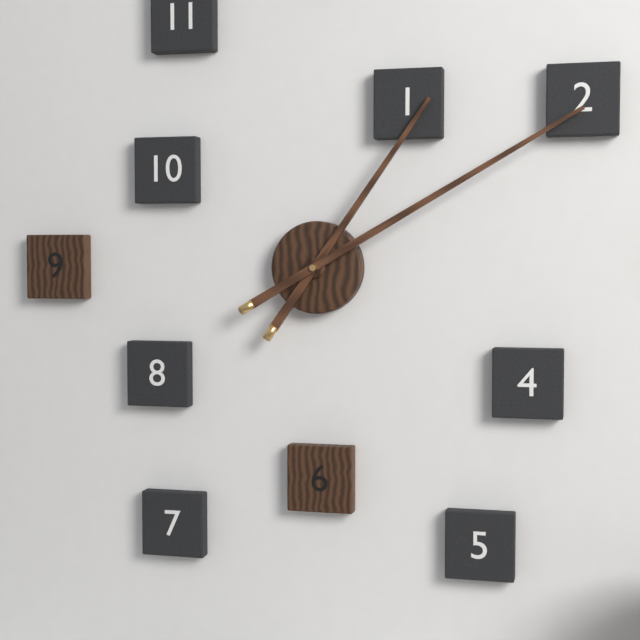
1:10
